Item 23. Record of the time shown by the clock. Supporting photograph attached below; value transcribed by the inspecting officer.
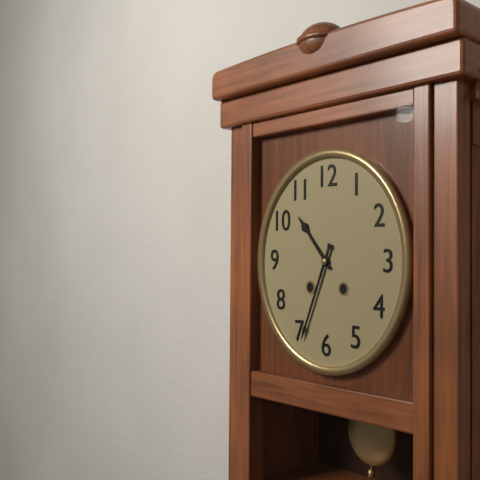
10:34
